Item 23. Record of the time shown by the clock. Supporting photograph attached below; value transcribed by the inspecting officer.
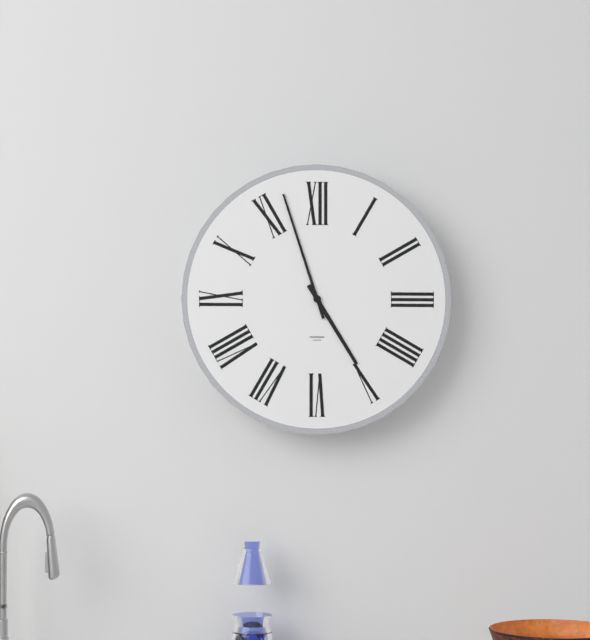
4:57
